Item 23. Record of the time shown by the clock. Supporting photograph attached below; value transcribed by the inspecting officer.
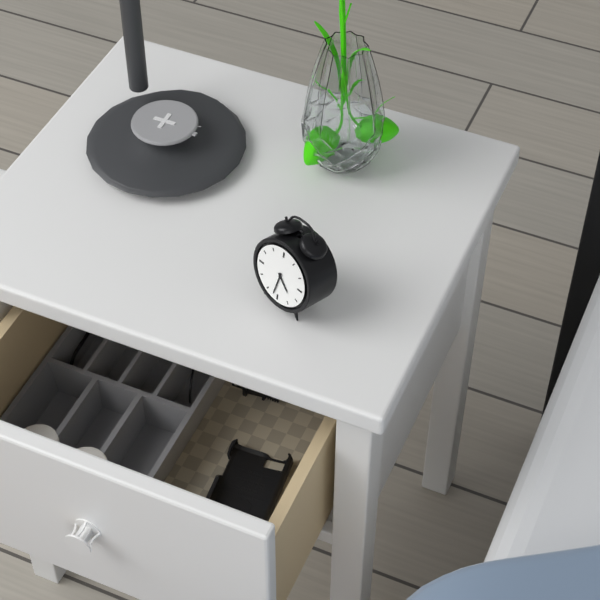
4:32
